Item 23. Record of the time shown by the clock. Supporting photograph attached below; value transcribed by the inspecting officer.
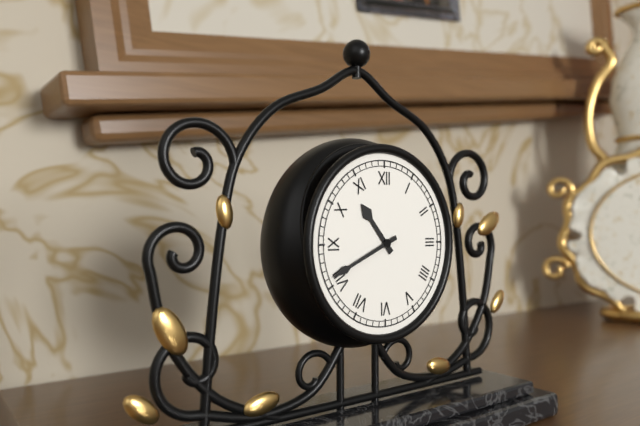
10:41
